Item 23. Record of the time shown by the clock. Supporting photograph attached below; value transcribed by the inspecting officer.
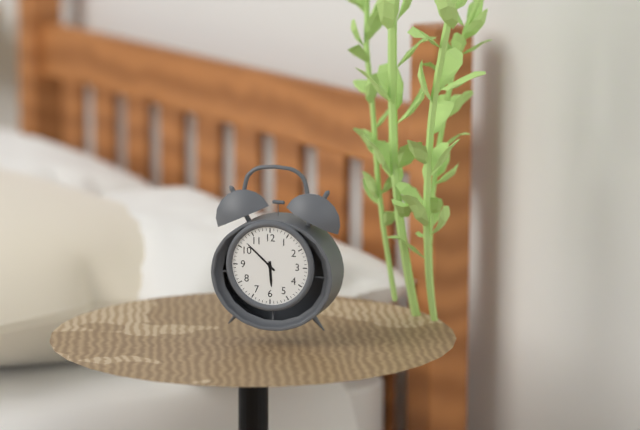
5:52
